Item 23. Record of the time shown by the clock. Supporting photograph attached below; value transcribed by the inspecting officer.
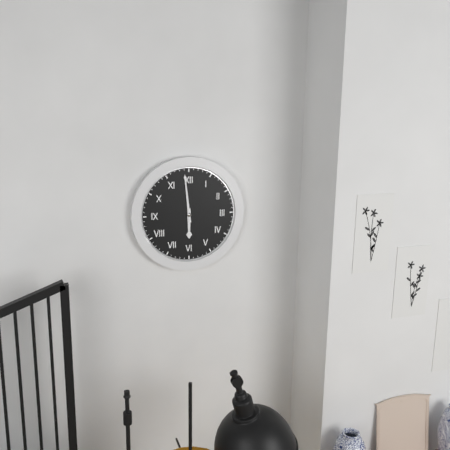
5:59
